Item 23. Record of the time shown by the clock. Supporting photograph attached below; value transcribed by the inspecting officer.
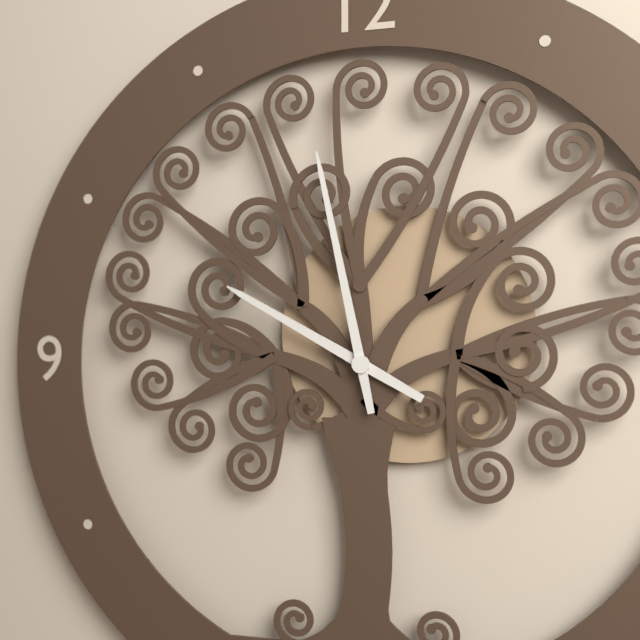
9:58
